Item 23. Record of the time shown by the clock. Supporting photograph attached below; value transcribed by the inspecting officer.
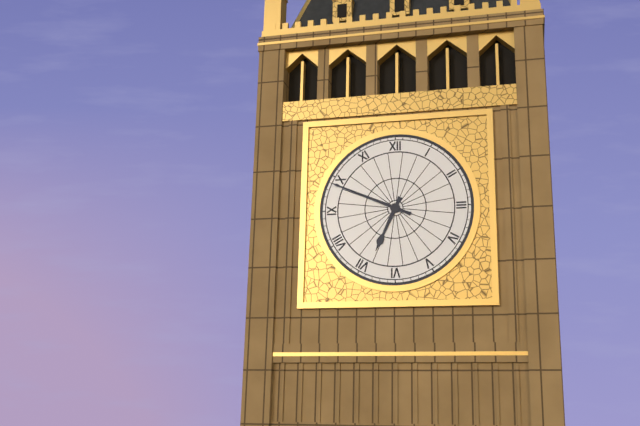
6:49
